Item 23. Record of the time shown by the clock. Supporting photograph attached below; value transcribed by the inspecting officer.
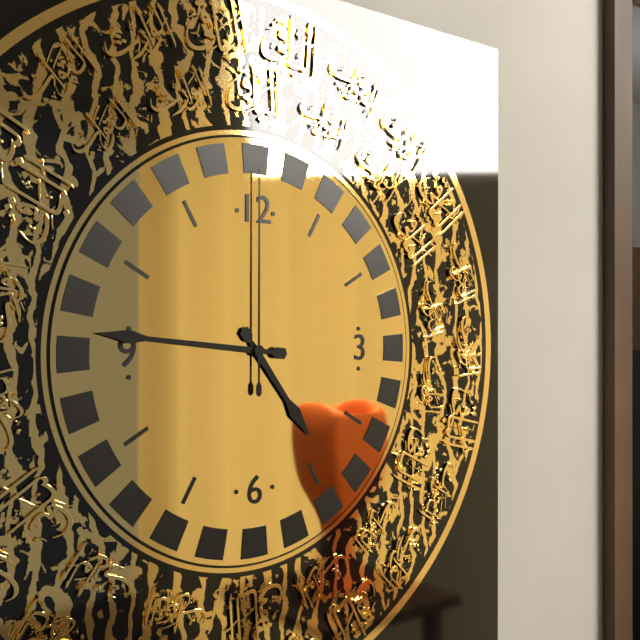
4:46:00
